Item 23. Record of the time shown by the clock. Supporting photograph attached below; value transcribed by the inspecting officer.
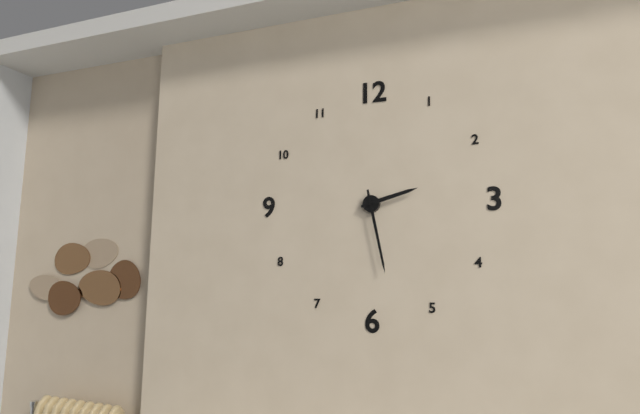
2:28
